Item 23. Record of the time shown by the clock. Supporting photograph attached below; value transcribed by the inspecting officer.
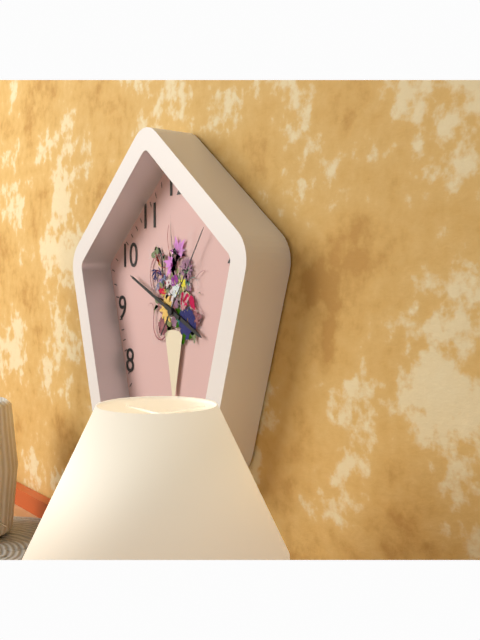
3:49:06
